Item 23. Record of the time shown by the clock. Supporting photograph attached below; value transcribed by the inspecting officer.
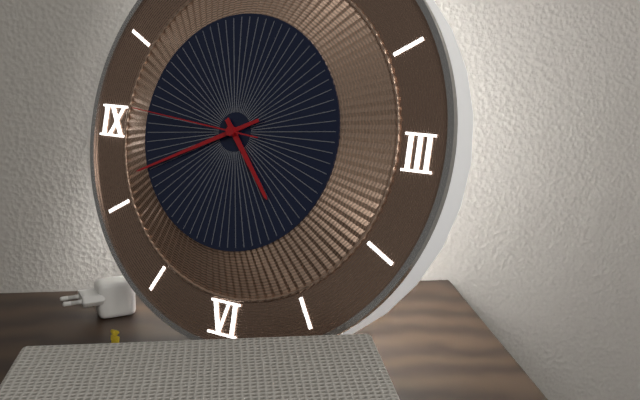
4:41:46
